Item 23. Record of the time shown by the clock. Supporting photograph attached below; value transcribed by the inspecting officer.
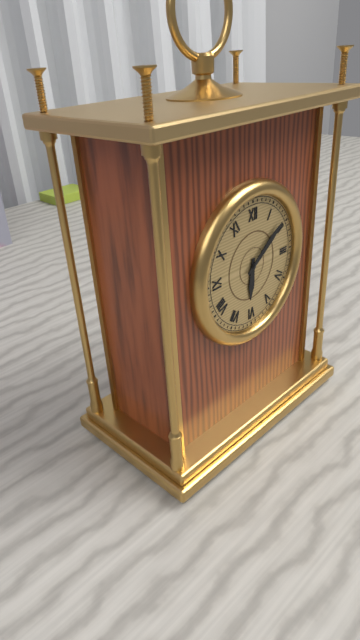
6:09
